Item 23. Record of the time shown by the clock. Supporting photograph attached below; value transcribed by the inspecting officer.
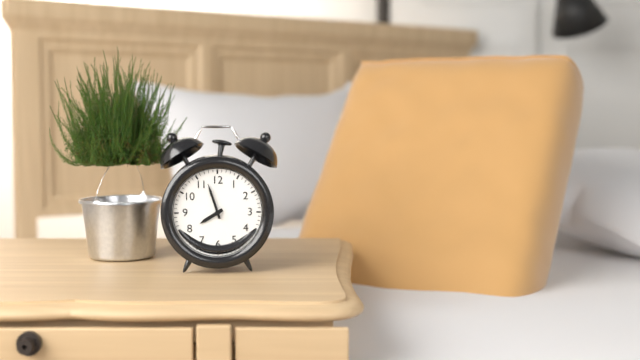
7:57
